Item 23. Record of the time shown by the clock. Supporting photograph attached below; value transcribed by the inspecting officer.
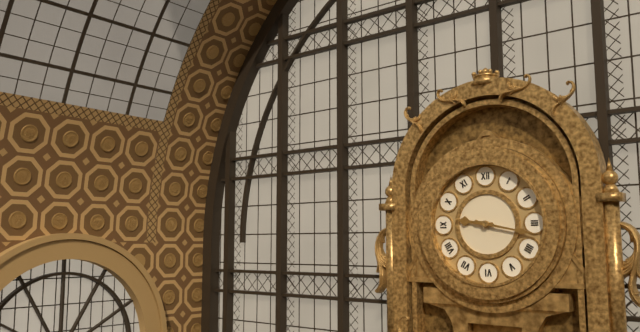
9:17
